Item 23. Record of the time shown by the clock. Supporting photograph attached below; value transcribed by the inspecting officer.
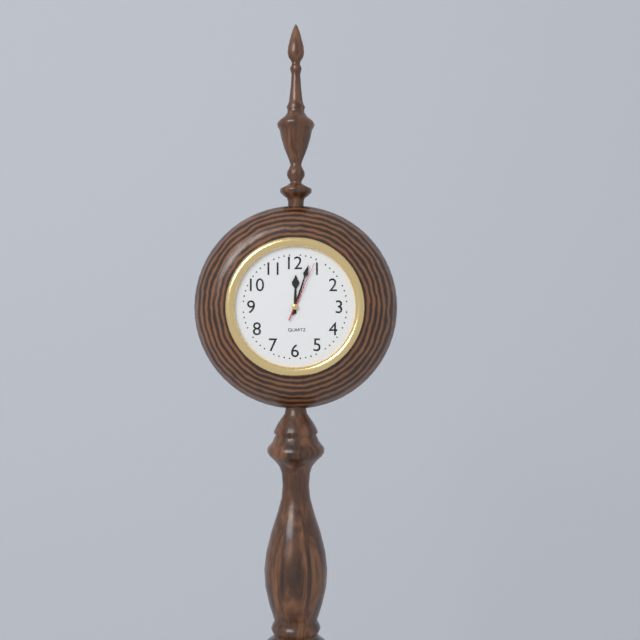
12:03:04
